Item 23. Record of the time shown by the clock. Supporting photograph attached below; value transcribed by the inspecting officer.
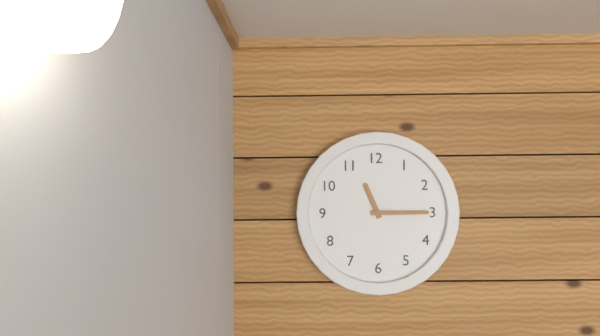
11:15
